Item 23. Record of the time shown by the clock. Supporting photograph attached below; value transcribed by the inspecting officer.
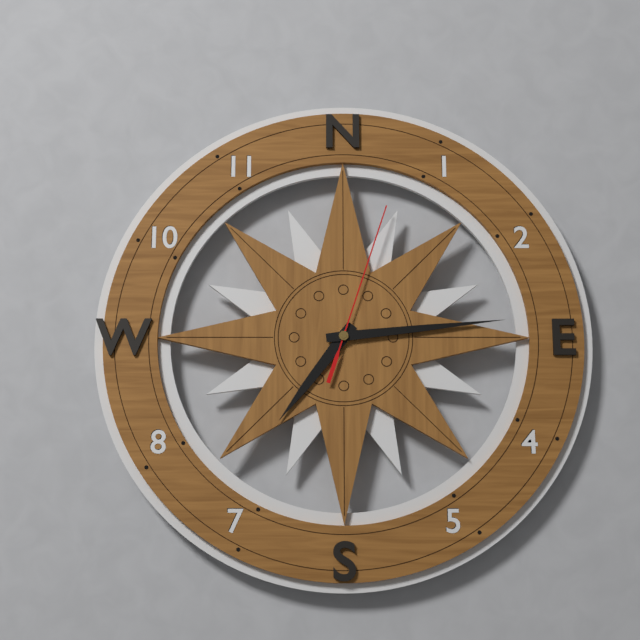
7:14:03
